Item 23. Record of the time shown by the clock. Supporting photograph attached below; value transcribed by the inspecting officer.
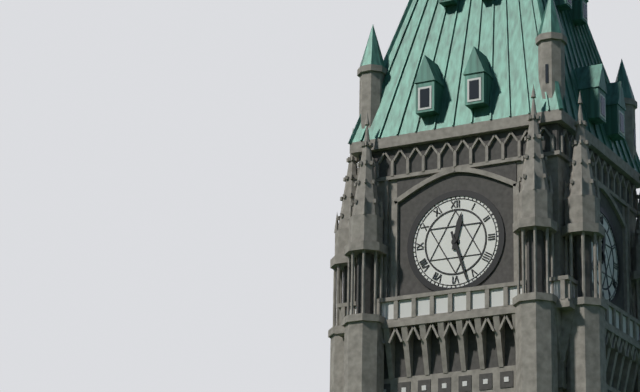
12:27
